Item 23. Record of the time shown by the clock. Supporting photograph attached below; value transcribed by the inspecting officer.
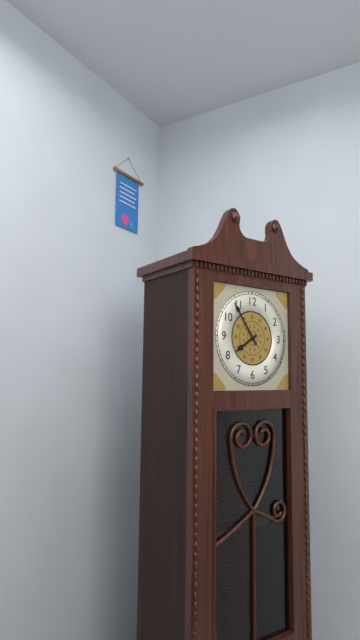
7:54
